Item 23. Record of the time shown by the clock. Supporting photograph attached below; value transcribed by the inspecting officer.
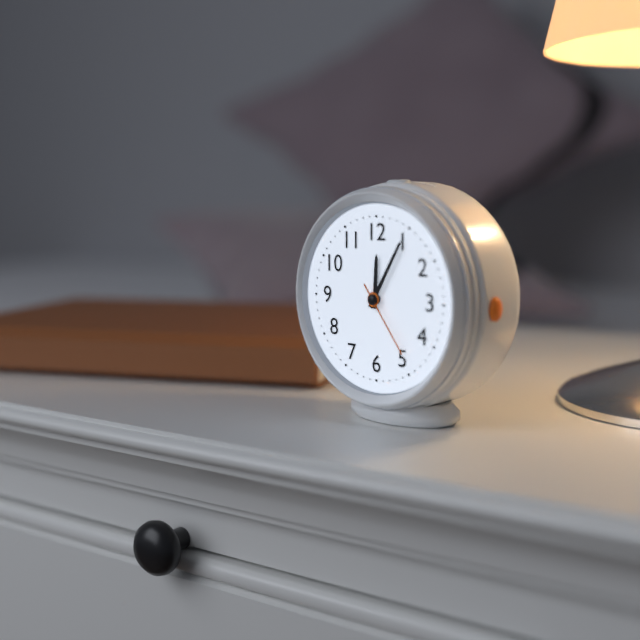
12:05:24
